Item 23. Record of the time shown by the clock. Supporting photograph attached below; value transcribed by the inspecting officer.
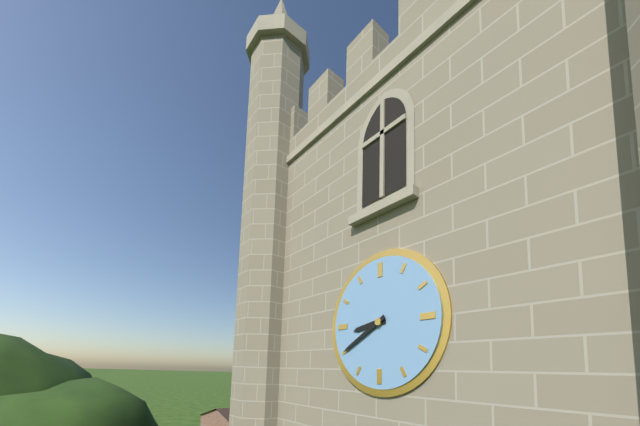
8:40
